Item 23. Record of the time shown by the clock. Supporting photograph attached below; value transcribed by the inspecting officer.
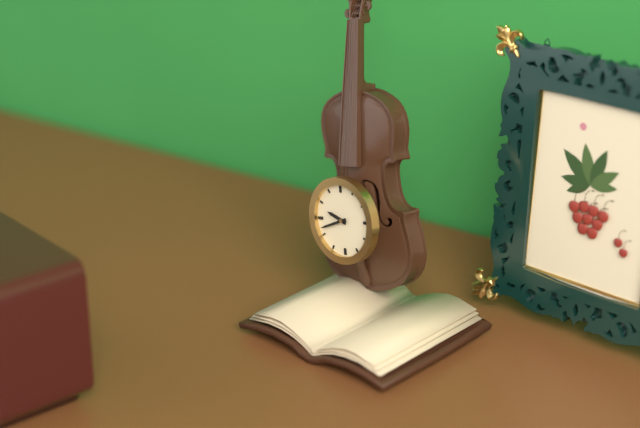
9:42
